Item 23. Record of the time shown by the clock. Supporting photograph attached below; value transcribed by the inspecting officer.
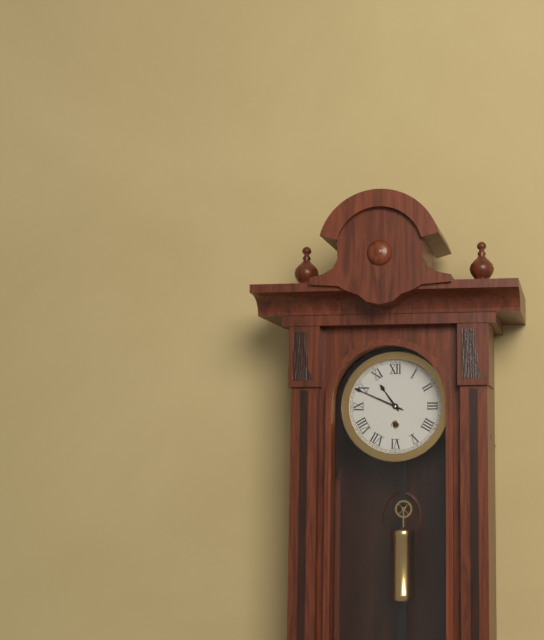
10:49
